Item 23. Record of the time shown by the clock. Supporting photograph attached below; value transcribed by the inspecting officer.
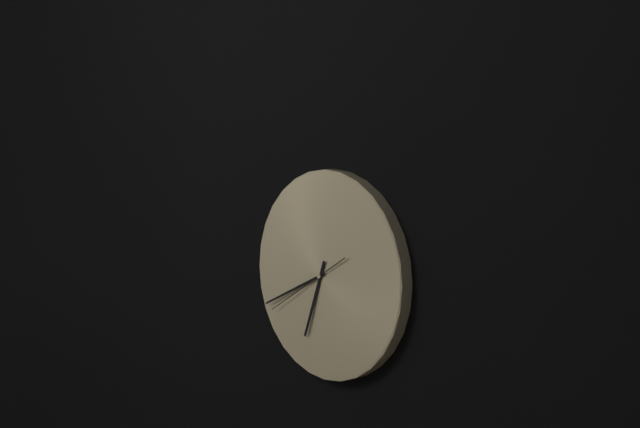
6:41:40
